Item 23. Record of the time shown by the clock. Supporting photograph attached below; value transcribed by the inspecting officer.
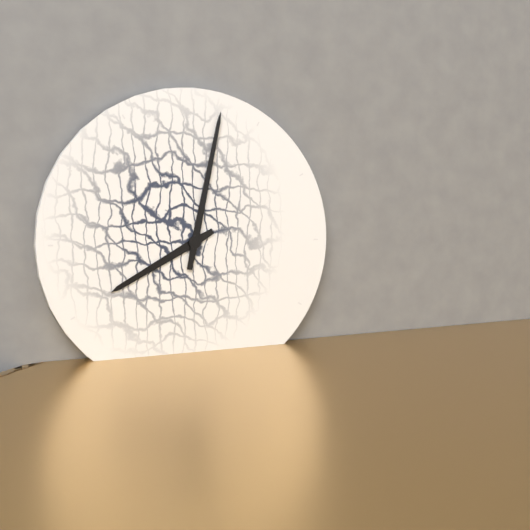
8:02
